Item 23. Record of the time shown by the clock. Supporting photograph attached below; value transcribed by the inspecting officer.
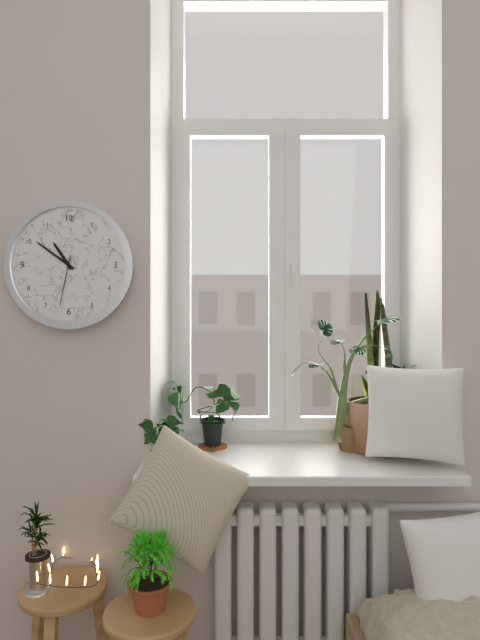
10:51:32
